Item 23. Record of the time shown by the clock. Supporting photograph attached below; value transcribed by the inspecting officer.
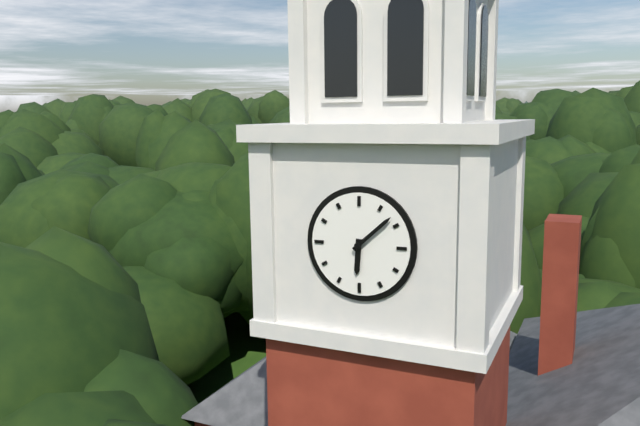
6:08
